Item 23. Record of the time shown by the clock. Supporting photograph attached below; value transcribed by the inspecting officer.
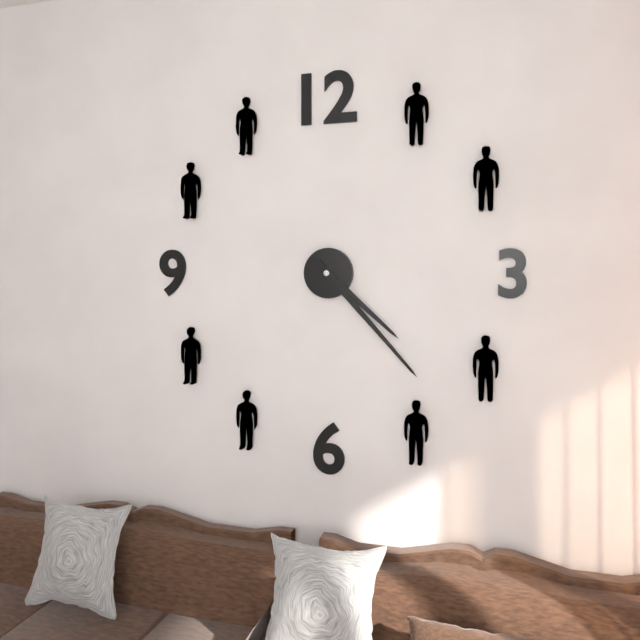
4:23
